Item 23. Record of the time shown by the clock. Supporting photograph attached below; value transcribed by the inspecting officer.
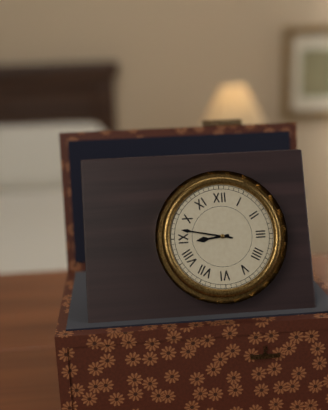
8:47
